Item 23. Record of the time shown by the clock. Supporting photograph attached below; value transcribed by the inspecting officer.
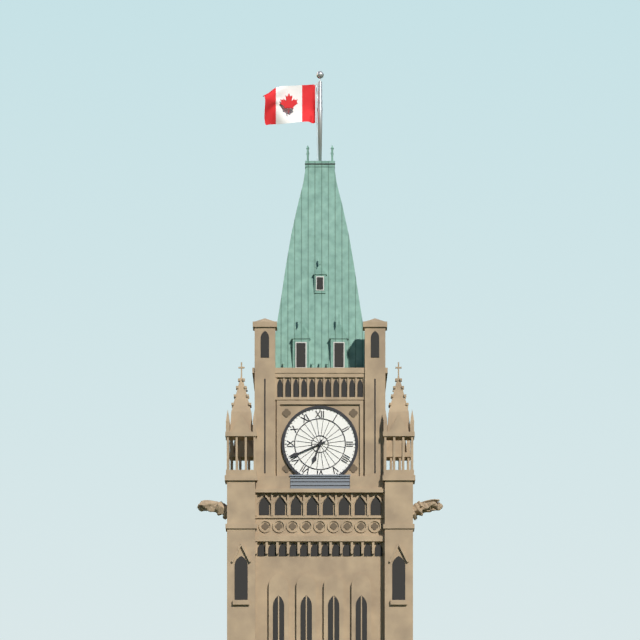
6:41
